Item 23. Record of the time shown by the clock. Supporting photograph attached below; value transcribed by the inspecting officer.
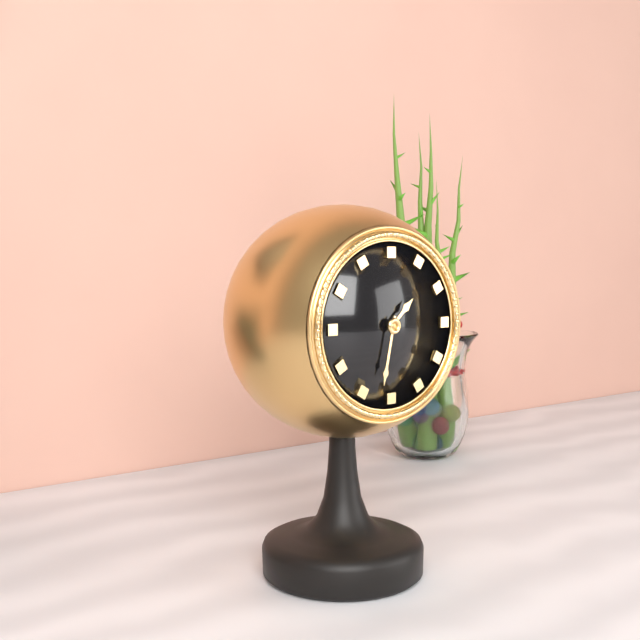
1:32
